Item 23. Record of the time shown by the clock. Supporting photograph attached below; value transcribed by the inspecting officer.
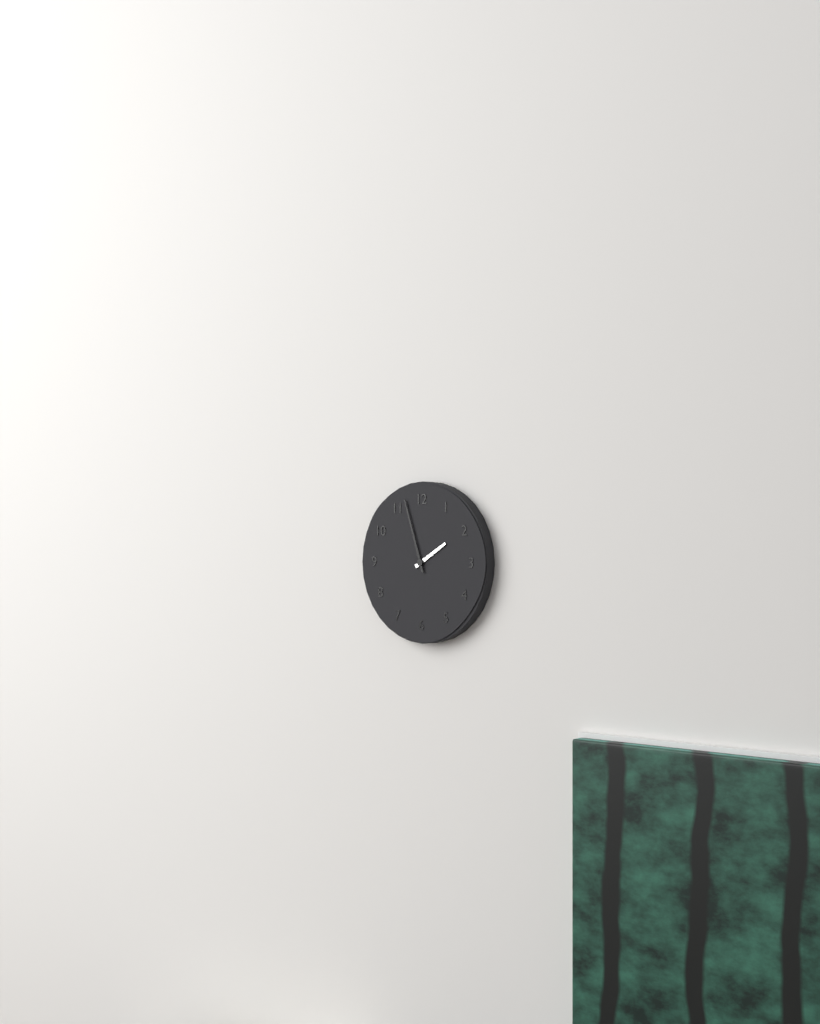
1:57
